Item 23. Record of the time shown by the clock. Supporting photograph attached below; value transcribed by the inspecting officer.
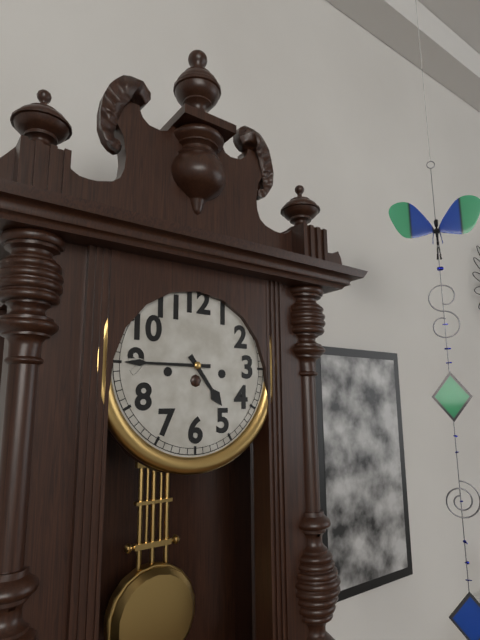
4:45
